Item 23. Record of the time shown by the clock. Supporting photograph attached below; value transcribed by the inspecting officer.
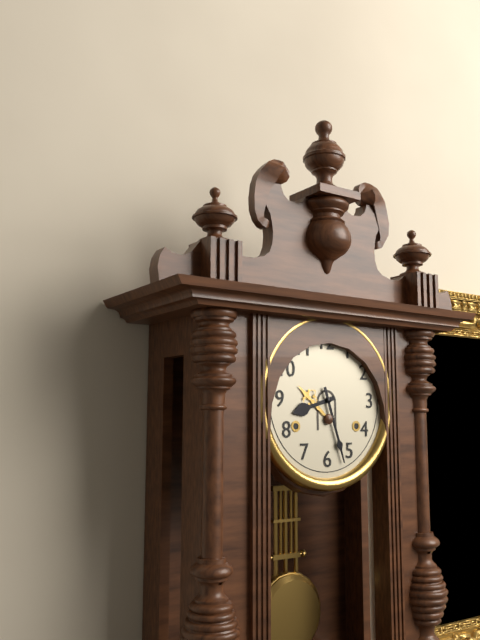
8:27
